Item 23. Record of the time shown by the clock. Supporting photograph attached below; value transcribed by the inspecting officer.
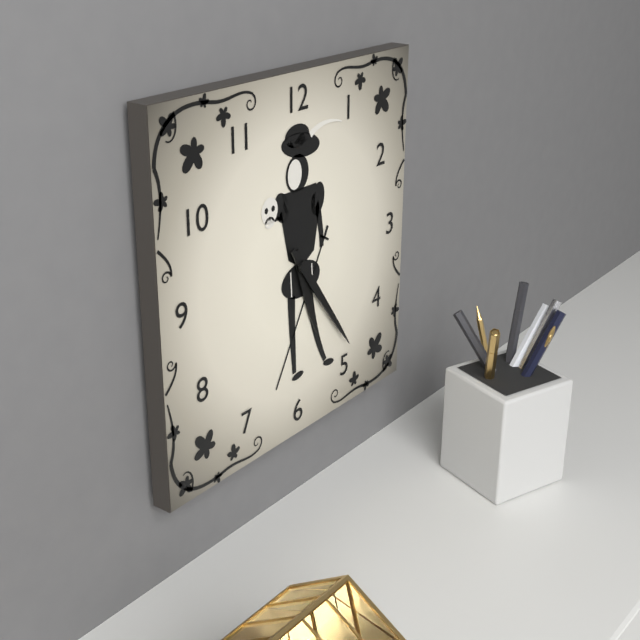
5:24
